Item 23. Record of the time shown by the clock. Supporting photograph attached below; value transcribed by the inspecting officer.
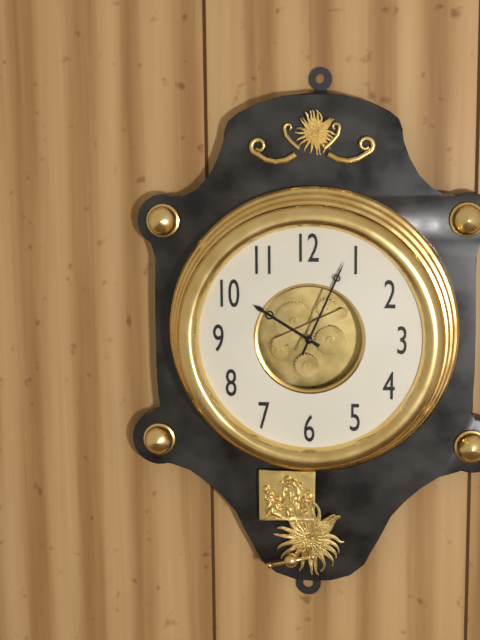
10:04
